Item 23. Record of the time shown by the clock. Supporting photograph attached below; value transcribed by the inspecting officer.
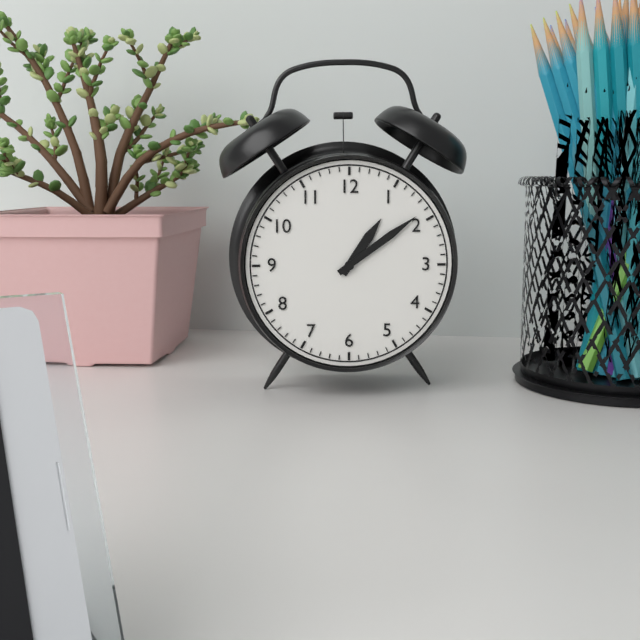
1:09
